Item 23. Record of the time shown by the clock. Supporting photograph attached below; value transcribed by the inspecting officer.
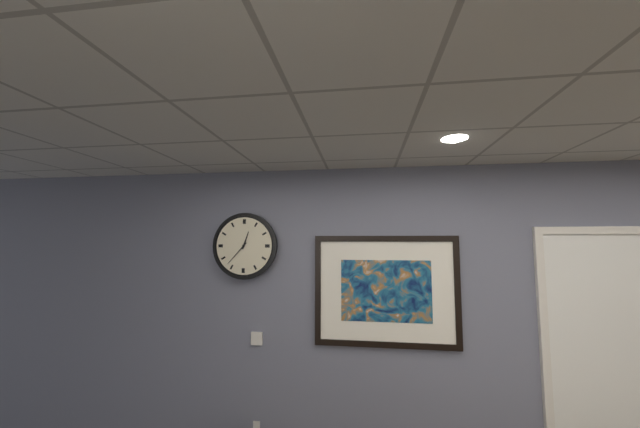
12:37
